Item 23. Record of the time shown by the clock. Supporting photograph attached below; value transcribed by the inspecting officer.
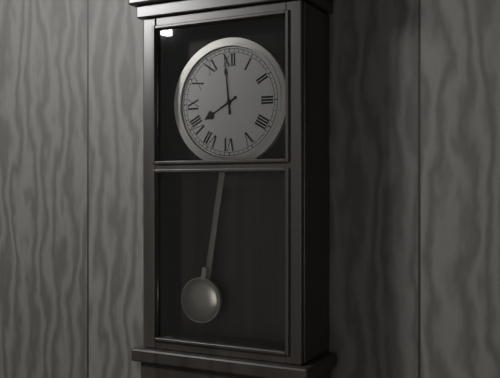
7:59
